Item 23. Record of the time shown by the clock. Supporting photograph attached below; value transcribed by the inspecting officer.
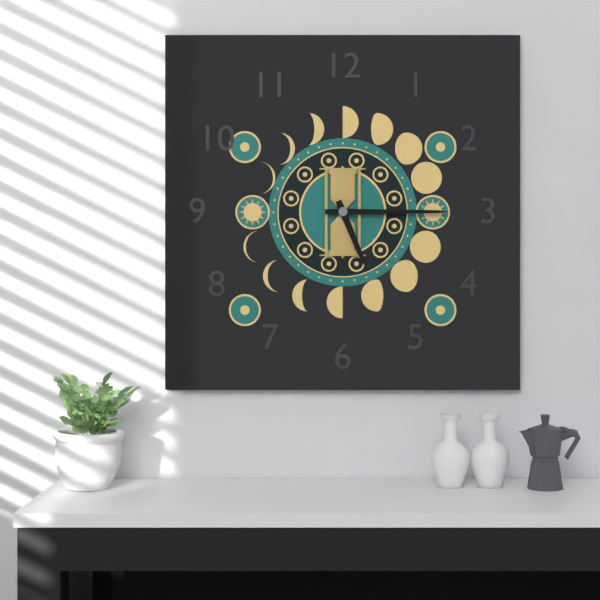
5:15
